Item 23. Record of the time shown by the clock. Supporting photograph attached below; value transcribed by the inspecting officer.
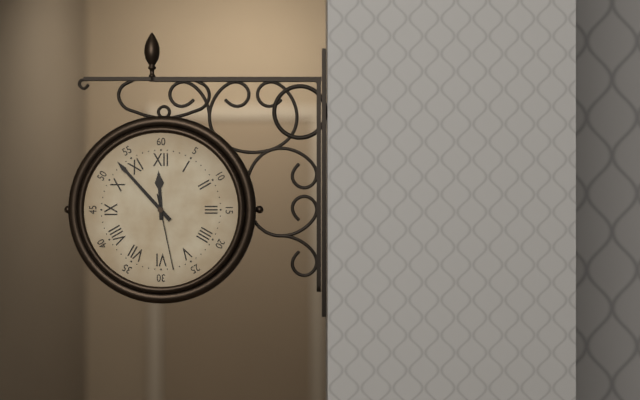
11:53:28
